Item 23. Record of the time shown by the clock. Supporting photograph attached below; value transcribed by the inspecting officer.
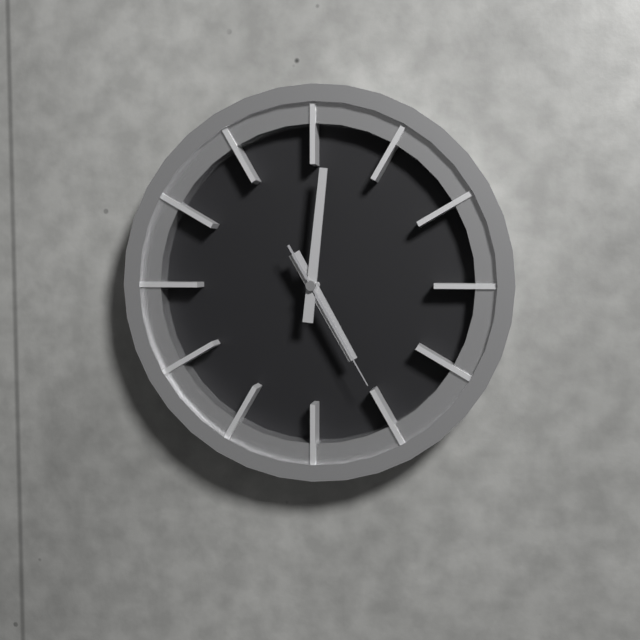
5:01:25
